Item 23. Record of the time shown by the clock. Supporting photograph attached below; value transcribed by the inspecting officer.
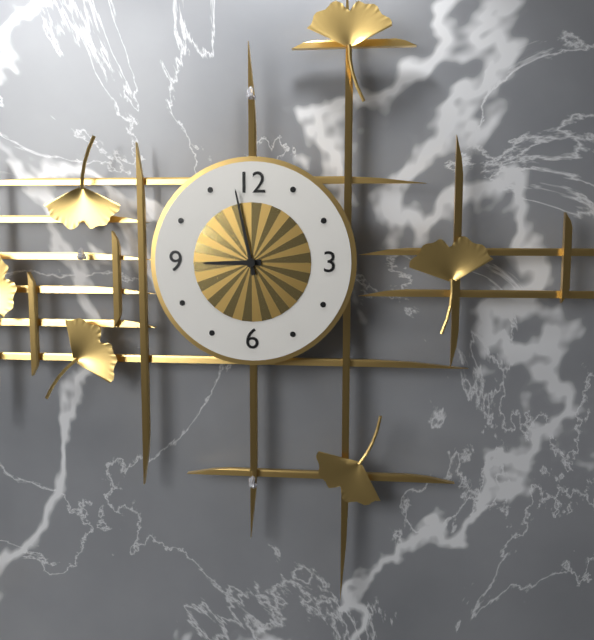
8:58
